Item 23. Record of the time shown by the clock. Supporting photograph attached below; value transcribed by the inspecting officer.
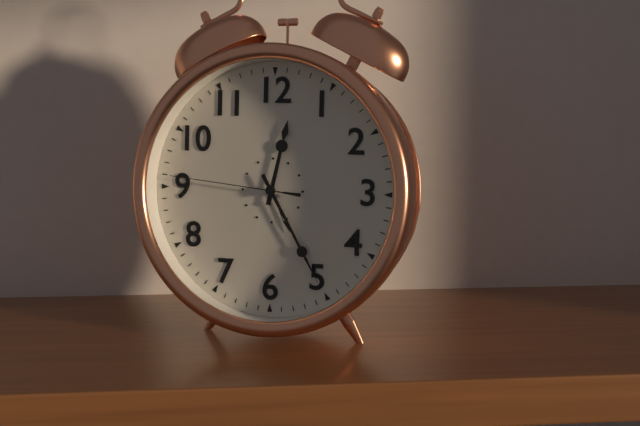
12:25:46
